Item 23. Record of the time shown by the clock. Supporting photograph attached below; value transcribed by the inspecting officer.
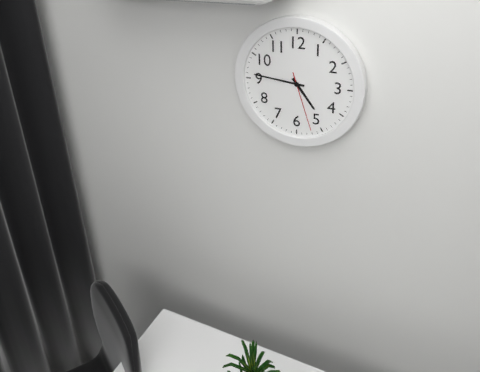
4:46:27
